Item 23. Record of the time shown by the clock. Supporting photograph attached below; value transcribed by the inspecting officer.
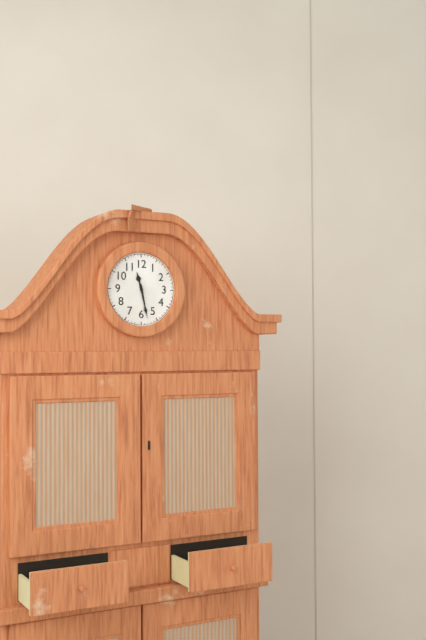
11:28
